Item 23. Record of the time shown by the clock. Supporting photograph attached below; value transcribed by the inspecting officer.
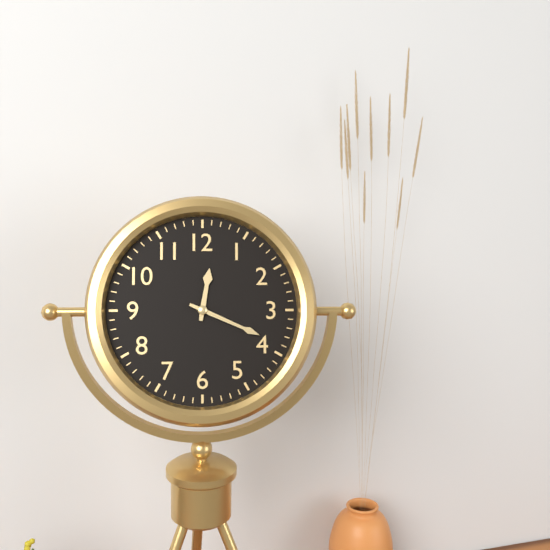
12:19
